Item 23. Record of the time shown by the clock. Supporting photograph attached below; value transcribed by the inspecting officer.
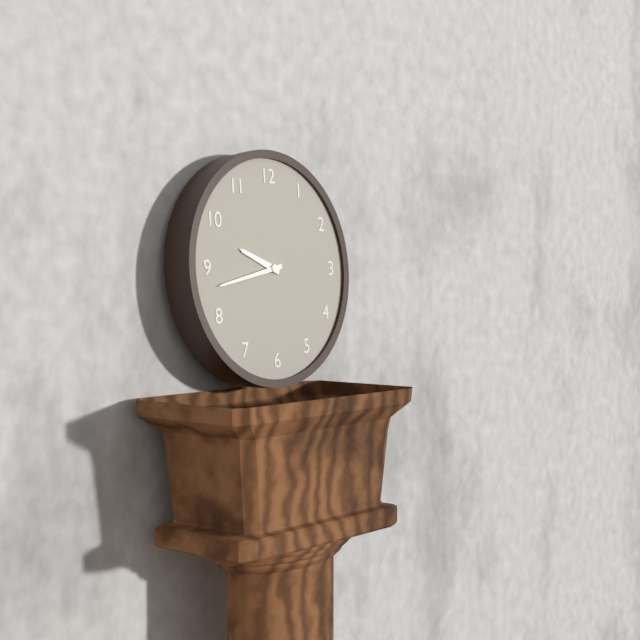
9:43
